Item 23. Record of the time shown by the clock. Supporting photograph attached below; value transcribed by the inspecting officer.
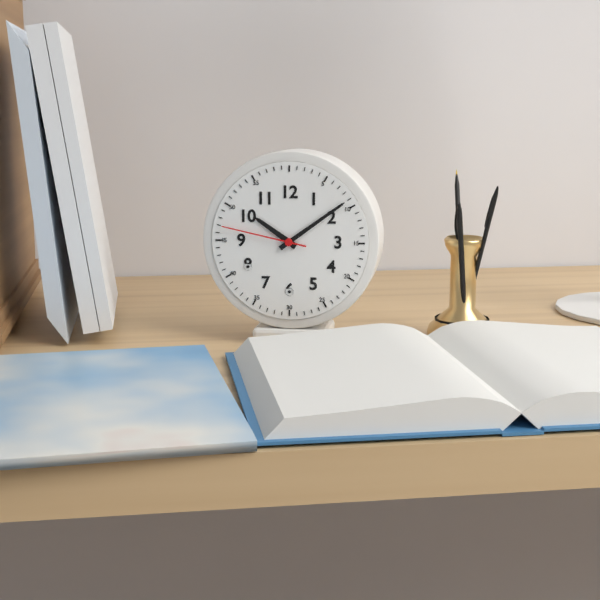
10:09:47
